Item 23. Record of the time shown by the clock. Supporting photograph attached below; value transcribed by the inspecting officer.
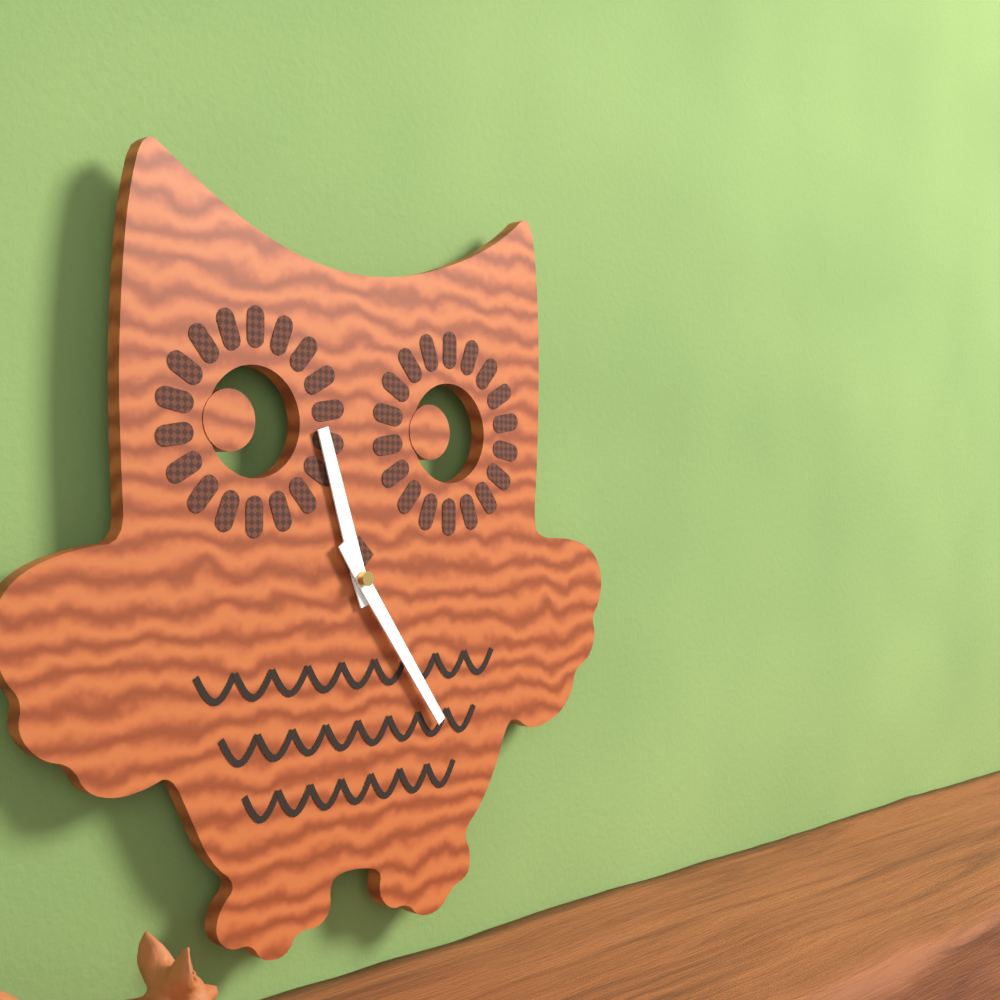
11:24
